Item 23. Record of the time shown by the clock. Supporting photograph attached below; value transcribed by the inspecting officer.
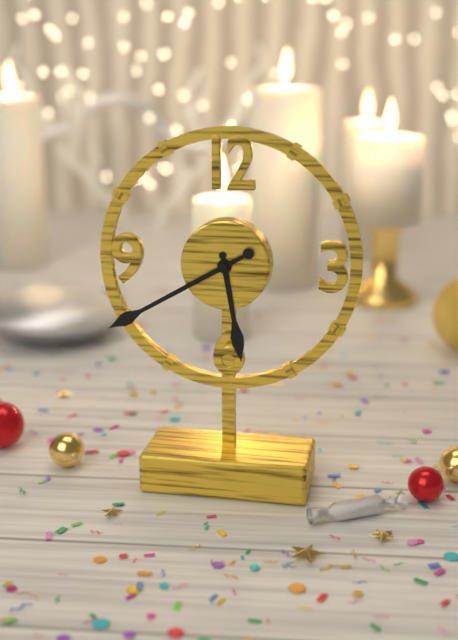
5:40
